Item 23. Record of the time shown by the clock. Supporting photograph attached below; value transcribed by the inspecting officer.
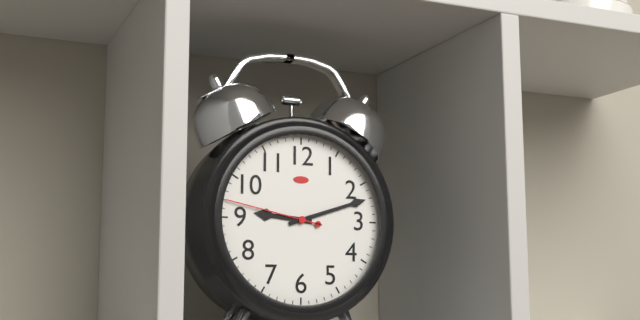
9:12:47
